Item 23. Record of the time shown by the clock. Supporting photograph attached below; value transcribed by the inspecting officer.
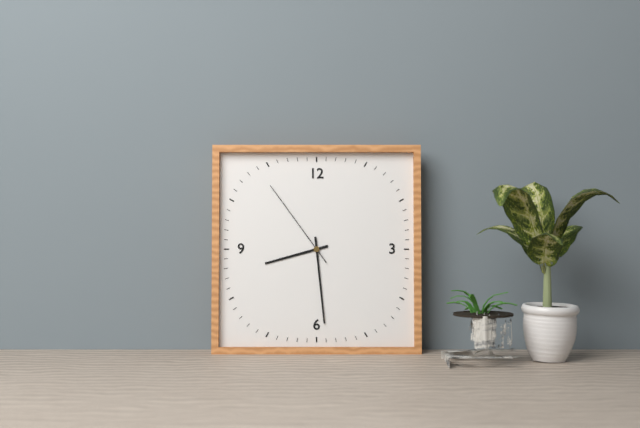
8:29:54
